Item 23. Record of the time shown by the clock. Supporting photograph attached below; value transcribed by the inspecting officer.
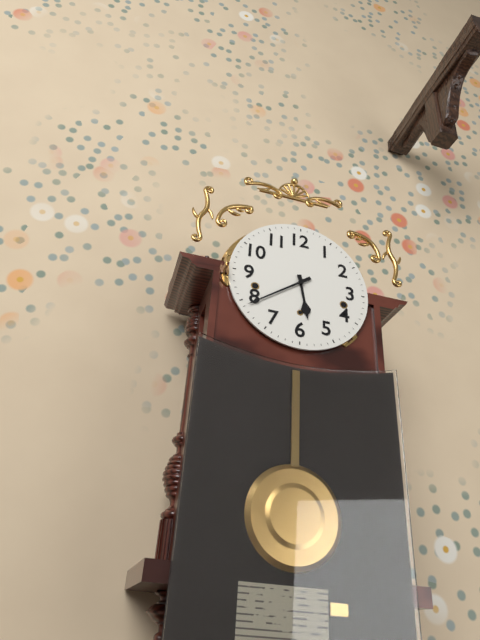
5:39
